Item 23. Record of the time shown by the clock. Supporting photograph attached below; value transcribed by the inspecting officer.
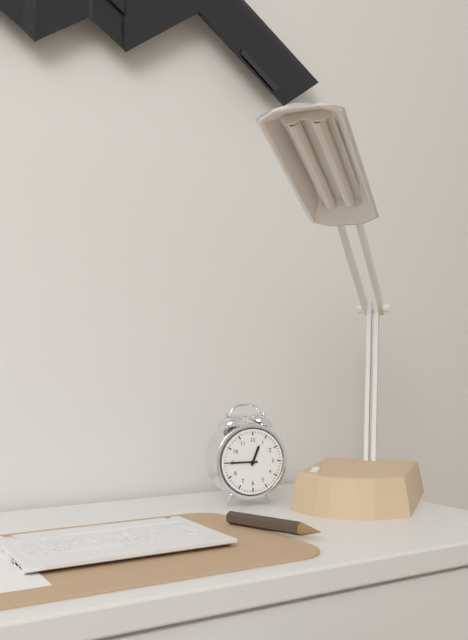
12:45
